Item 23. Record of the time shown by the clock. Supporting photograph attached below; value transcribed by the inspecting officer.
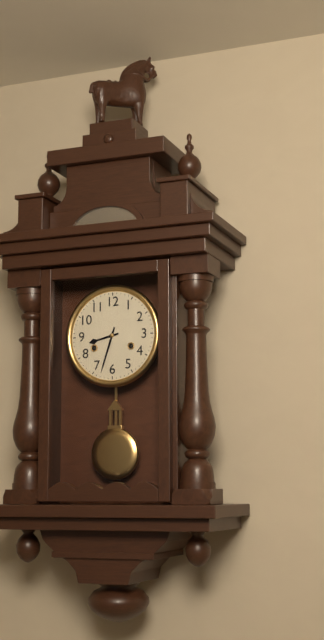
8:33
